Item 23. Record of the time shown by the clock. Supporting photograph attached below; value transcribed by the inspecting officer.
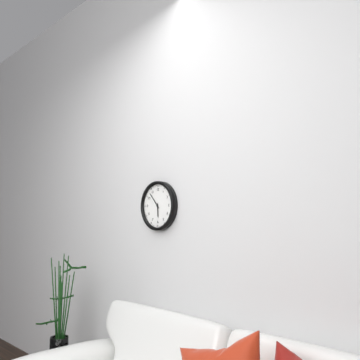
5:53
